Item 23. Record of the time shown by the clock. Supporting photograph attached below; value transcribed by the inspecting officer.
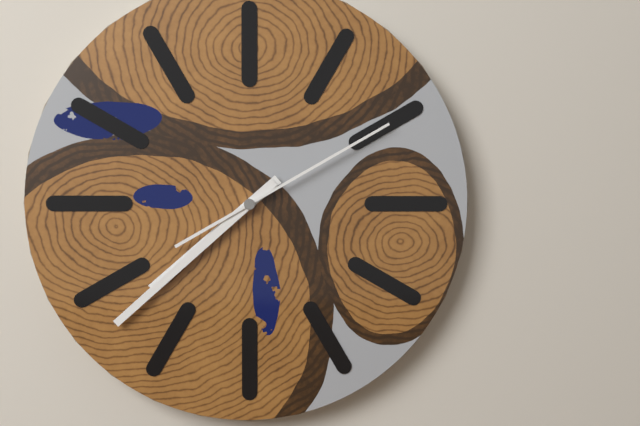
7:38:10
